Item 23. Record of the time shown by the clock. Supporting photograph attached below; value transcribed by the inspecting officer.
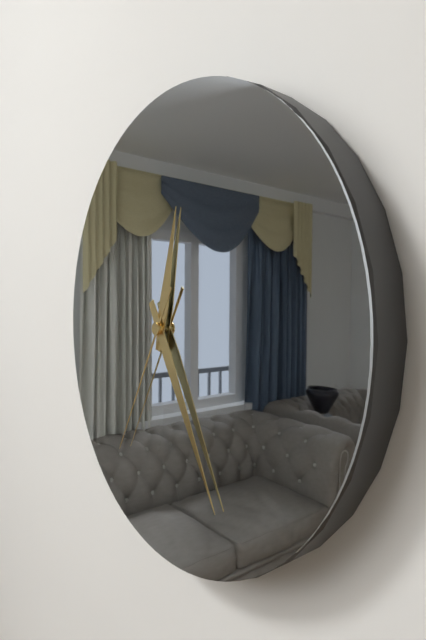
12:25:35
